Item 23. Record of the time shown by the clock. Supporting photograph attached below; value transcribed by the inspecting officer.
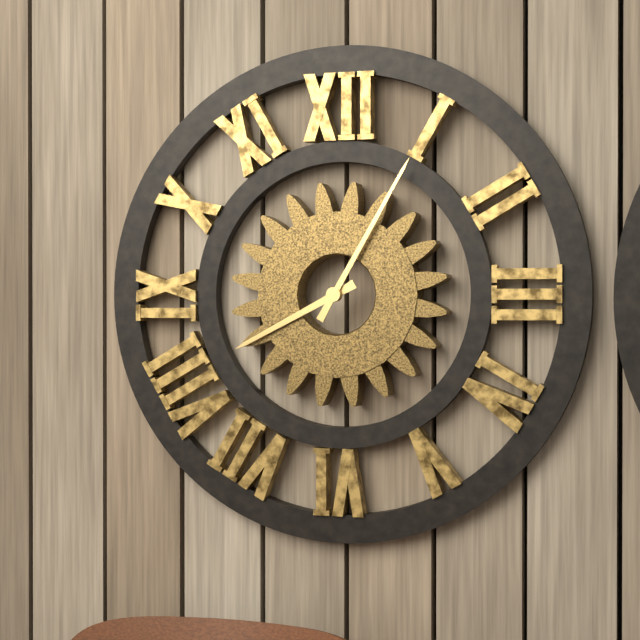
8:05
